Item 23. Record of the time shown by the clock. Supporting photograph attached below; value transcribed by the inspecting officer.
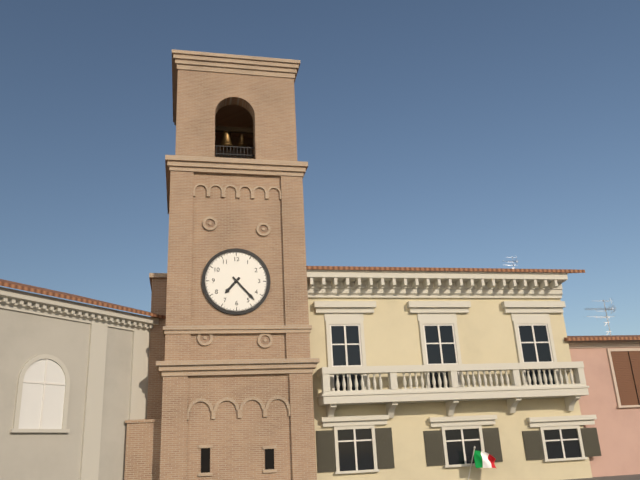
7:23
